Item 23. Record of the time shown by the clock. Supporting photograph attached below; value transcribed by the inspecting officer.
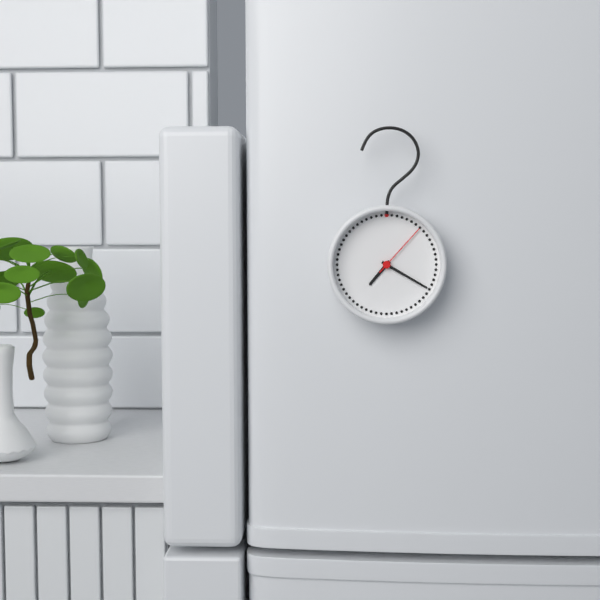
7:20:07
